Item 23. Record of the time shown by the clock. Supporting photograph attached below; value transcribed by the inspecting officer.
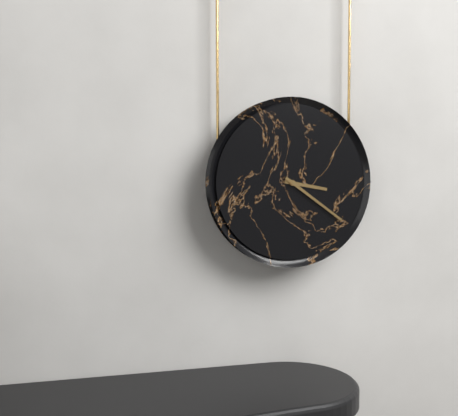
3:21
